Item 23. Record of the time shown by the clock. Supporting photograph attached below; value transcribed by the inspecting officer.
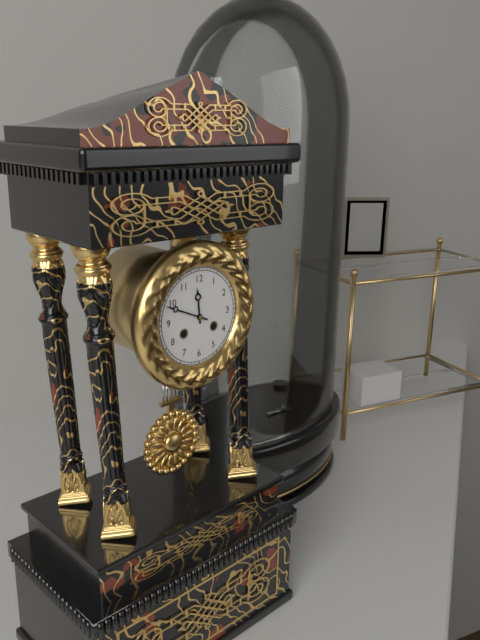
11:49
